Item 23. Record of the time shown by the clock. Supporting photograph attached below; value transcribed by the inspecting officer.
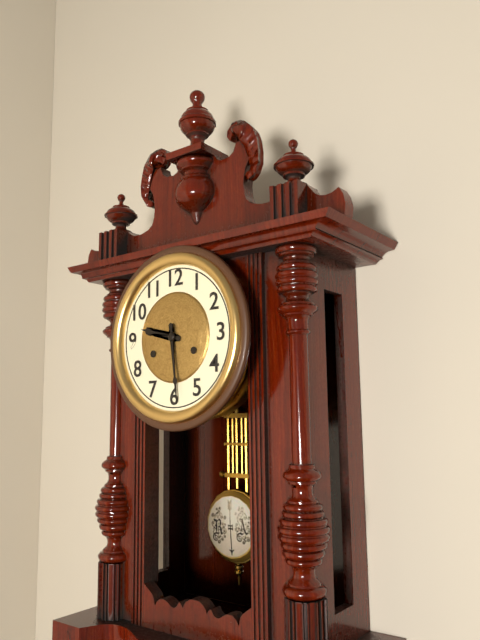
9:29
